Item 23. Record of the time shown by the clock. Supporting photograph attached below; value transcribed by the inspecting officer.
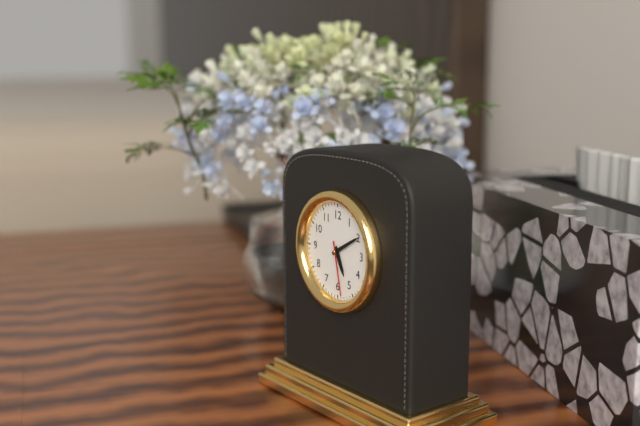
5:10:28
